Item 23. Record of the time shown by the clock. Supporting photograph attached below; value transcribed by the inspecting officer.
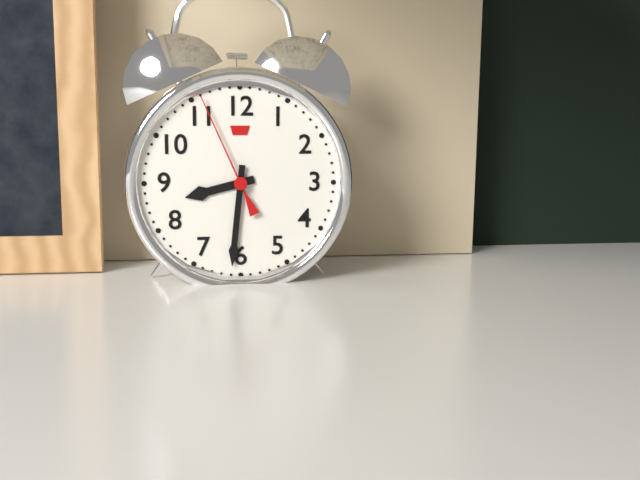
8:31:56
